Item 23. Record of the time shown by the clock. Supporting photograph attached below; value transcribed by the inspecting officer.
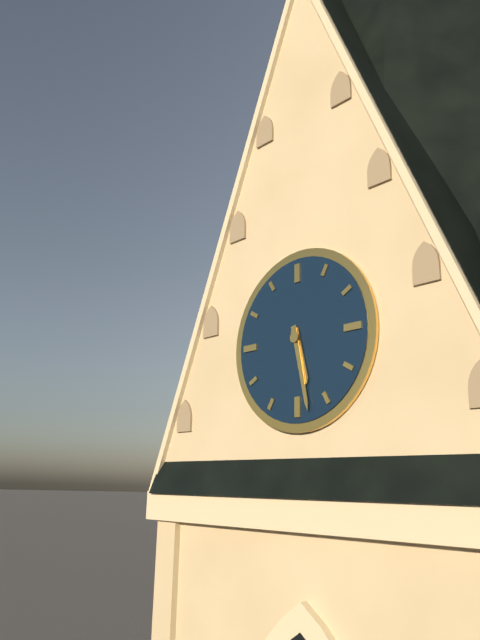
5:28
